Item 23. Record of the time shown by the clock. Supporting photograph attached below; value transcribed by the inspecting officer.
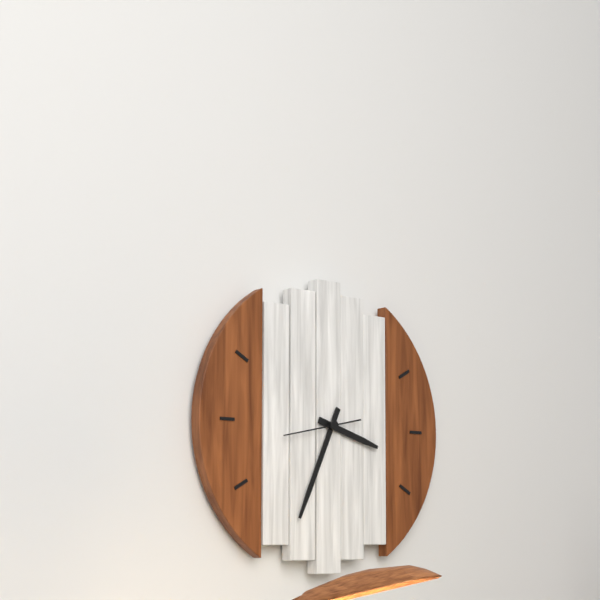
3:34:43
